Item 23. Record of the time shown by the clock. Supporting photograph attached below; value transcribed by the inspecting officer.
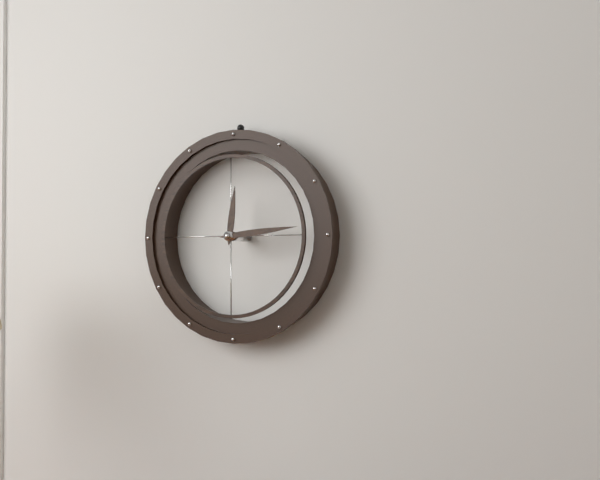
12:14
